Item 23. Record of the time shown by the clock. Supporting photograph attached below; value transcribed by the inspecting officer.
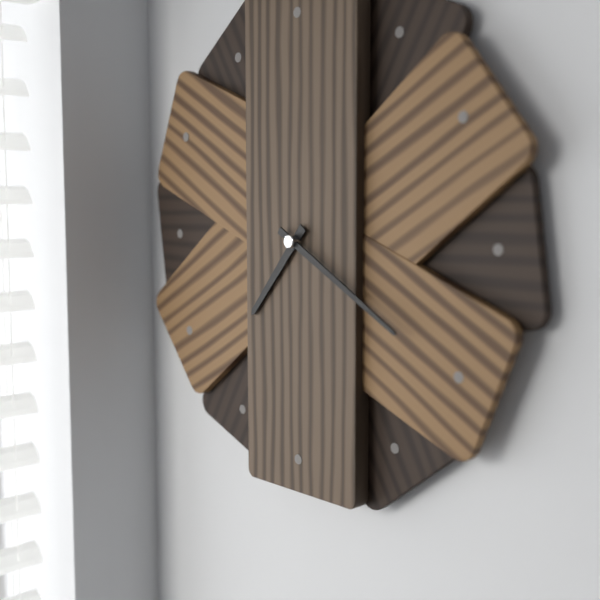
7:20
